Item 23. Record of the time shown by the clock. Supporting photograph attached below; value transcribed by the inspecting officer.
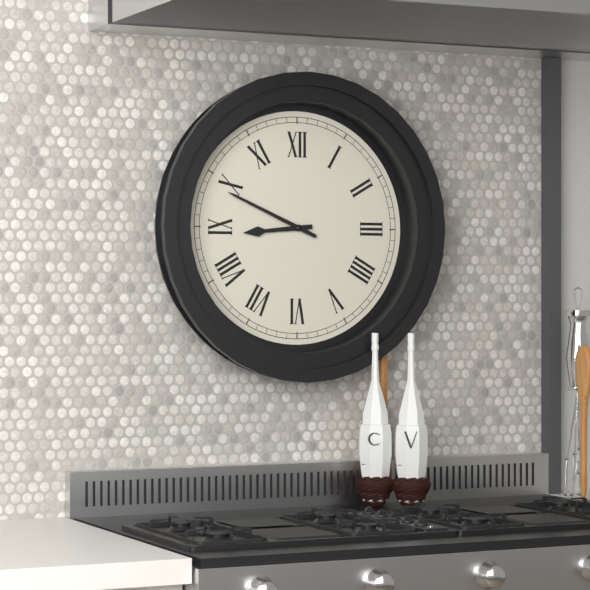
8:49
